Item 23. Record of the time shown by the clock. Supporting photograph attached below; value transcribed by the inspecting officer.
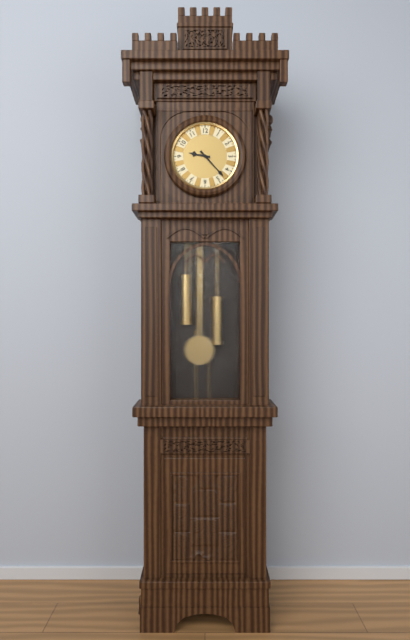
9:23
